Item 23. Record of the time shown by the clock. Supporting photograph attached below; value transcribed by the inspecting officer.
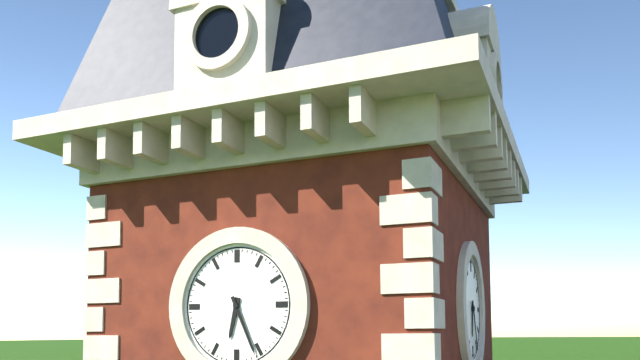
6:26
